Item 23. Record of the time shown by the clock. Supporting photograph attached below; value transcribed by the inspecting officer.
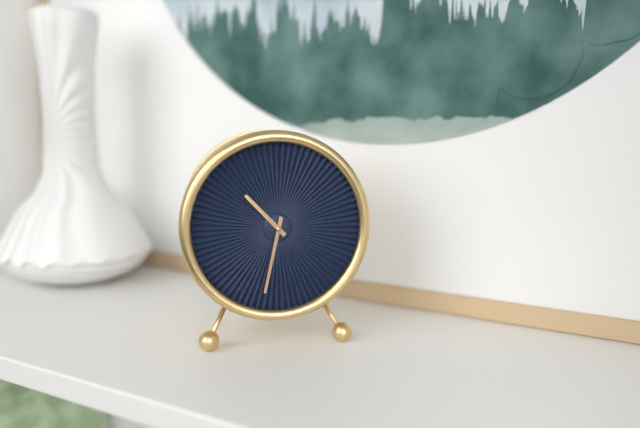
10:32
